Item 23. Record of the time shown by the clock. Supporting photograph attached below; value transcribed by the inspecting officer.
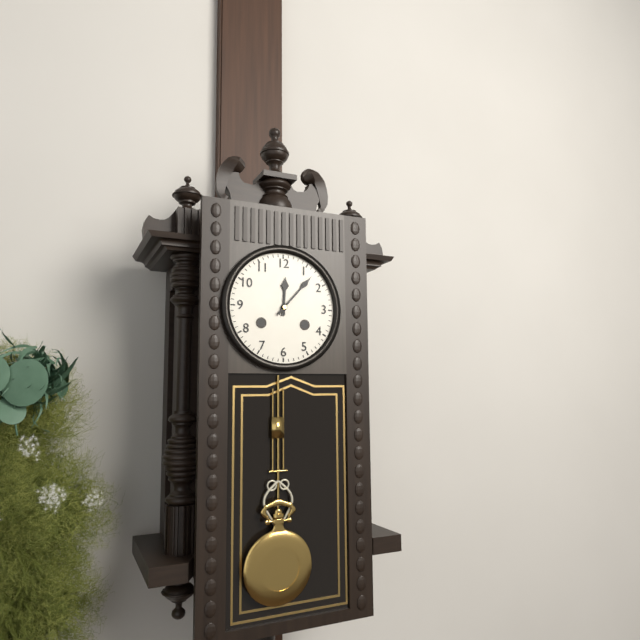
12:07
